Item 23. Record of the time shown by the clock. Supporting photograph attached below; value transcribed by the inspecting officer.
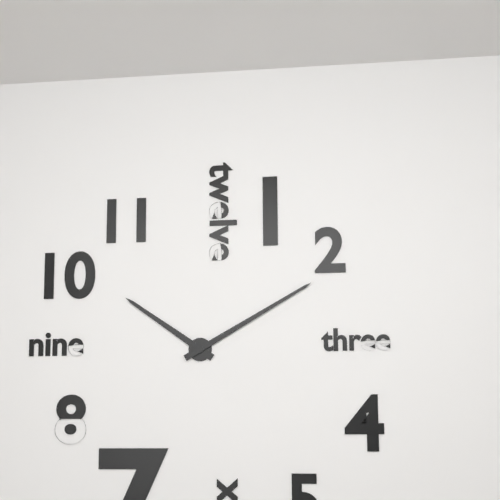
10:10
